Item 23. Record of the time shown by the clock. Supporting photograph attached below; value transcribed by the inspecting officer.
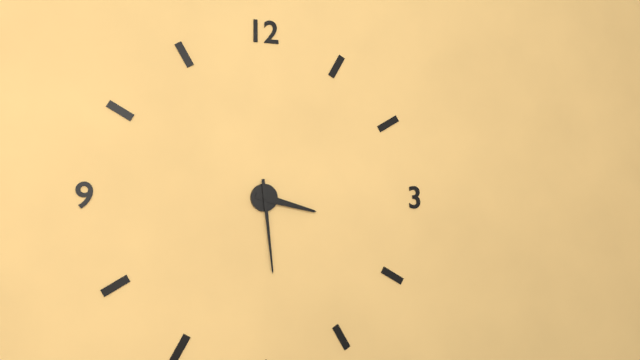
3:29
